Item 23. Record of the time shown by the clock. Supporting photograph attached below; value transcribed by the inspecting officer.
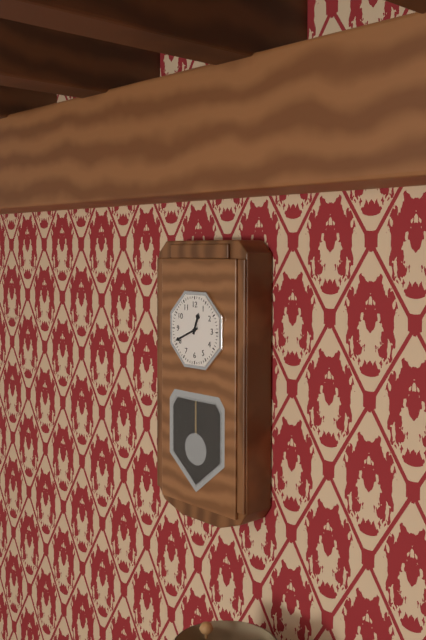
12:41
